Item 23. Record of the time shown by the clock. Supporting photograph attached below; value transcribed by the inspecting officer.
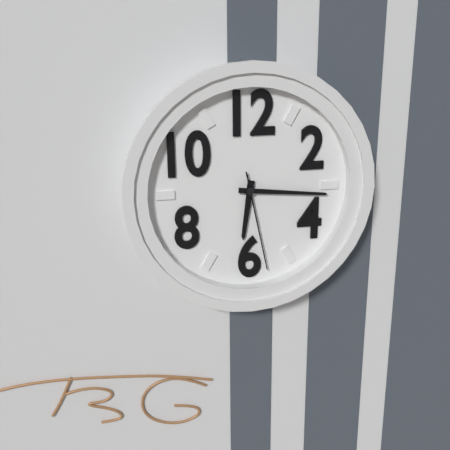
6:16:28
